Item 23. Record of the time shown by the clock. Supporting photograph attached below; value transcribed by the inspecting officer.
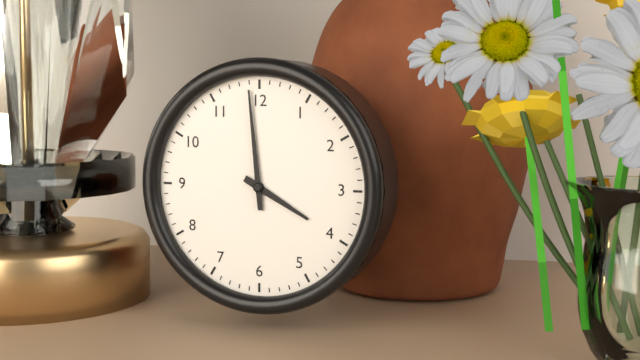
3:59
